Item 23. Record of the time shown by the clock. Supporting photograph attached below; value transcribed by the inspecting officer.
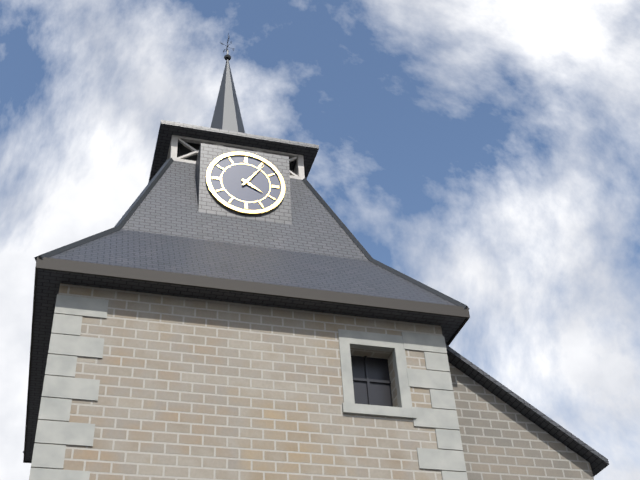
4:06
